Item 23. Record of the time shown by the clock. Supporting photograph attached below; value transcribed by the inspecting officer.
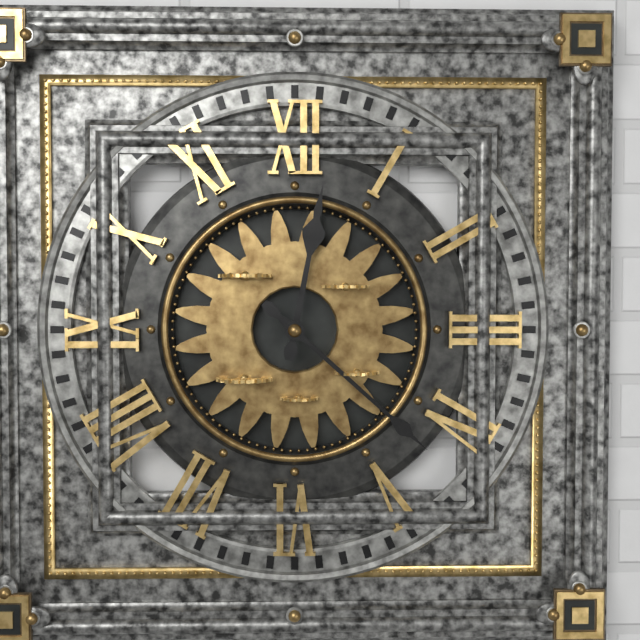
12:22
